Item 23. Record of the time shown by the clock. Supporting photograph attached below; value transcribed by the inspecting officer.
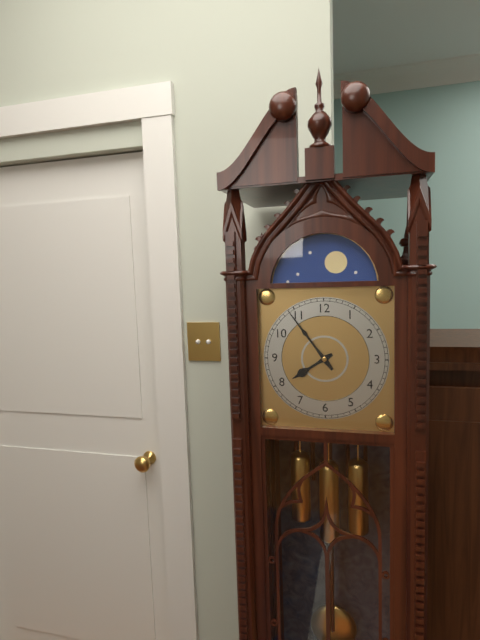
7:54
